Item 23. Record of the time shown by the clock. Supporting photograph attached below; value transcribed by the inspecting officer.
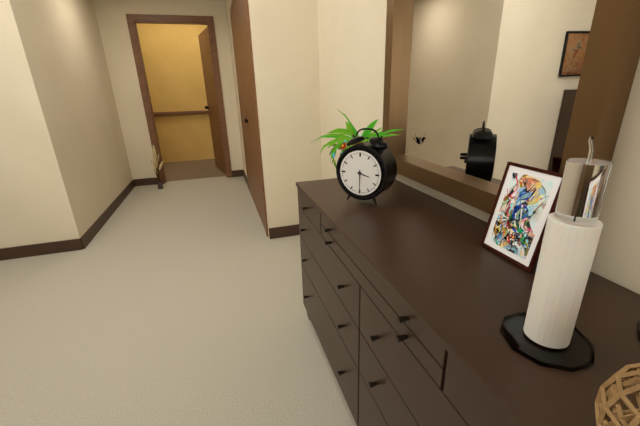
3:30
